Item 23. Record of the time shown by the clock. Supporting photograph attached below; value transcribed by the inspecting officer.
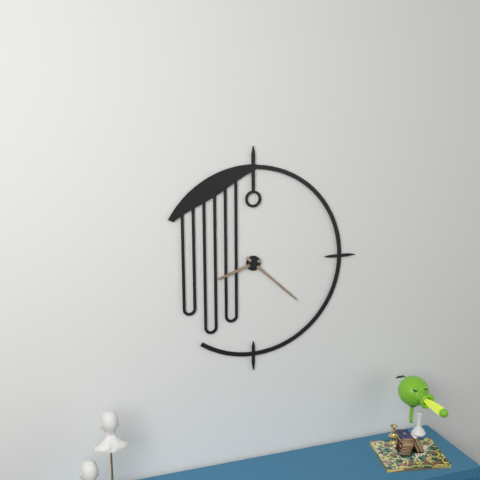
8:22
